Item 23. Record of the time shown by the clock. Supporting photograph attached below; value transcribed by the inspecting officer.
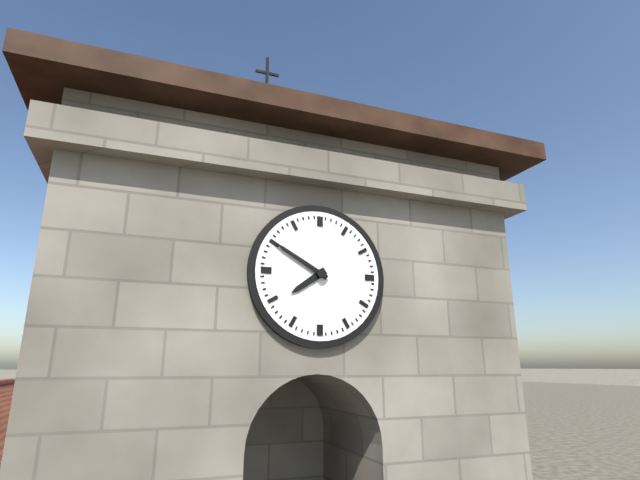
7:50
